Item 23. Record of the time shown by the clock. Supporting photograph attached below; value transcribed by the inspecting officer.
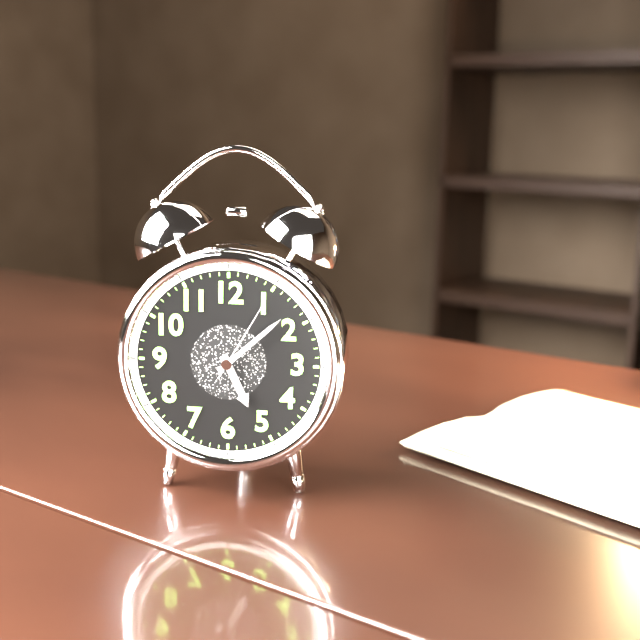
5:08:05
